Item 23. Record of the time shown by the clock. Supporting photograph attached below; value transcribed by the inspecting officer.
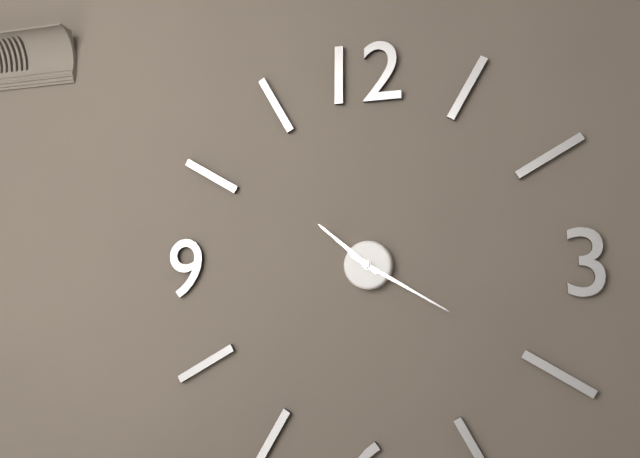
10:20
